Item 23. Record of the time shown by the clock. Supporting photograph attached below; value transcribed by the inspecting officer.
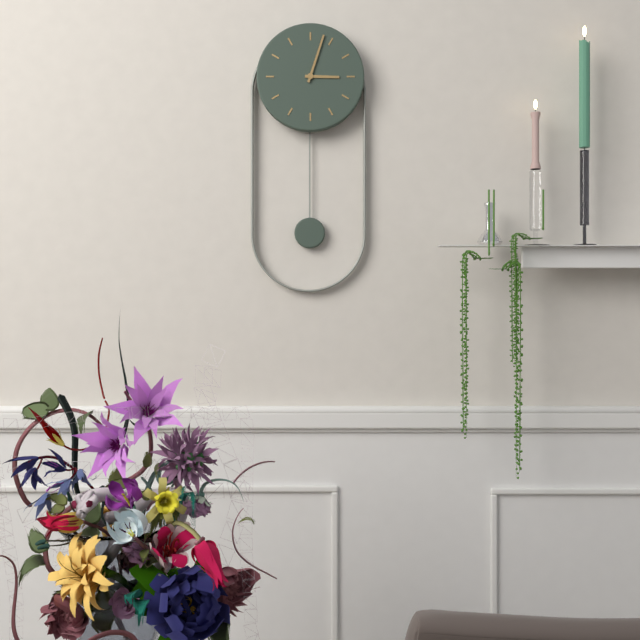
3:03
